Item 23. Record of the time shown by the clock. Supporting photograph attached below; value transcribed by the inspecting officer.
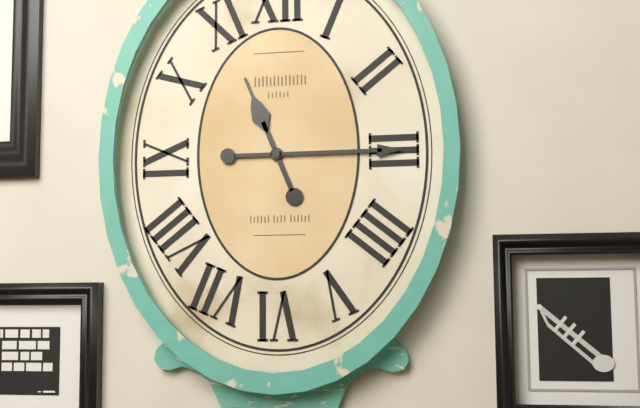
11:15
